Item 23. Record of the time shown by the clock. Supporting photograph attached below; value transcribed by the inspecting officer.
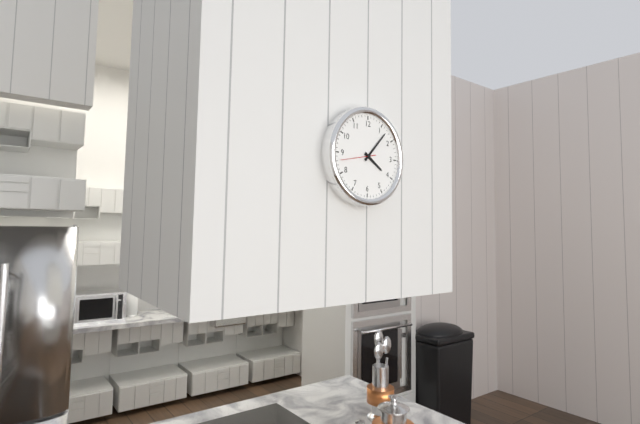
4:07
